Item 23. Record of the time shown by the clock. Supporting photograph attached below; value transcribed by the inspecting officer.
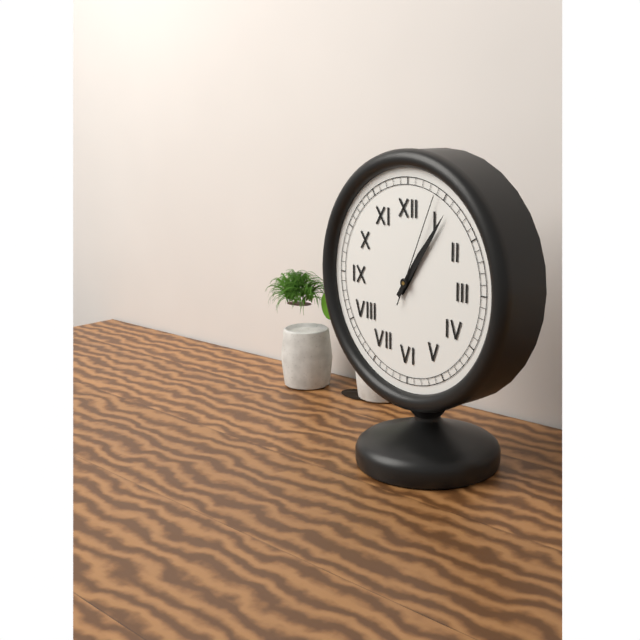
1:06:04
